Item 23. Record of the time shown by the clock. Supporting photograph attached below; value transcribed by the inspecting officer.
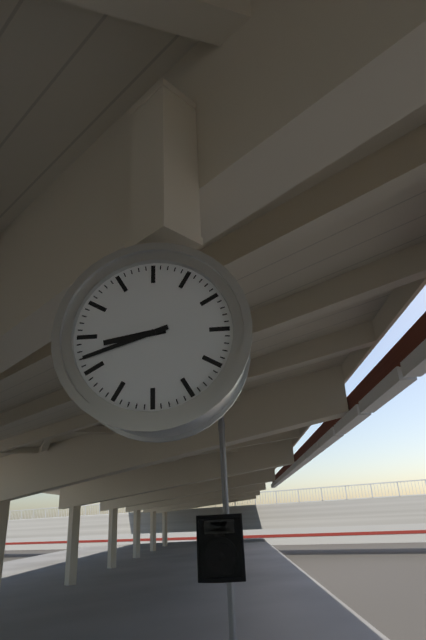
8:42
